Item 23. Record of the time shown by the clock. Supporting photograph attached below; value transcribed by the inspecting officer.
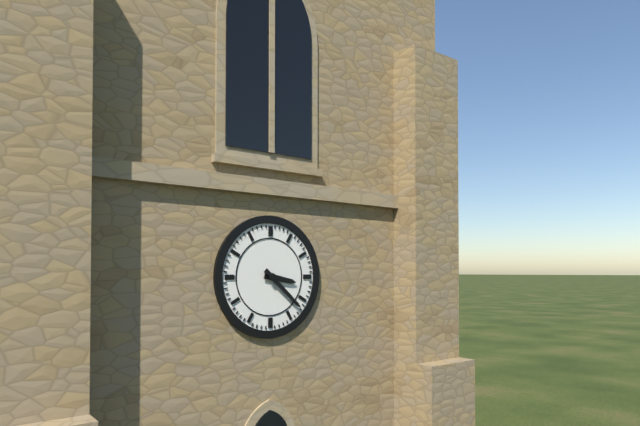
3:22
